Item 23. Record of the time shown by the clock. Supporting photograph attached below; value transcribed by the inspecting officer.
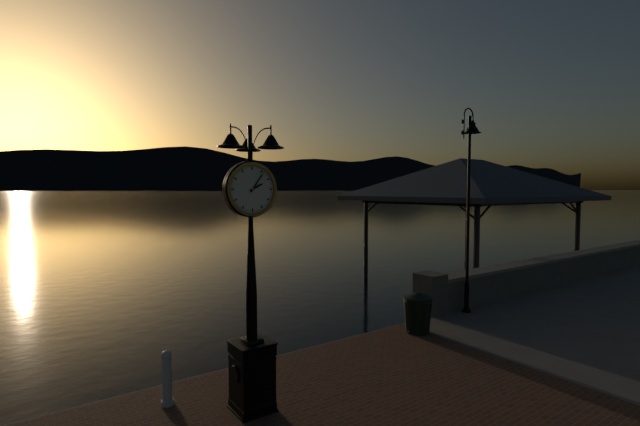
2:06
